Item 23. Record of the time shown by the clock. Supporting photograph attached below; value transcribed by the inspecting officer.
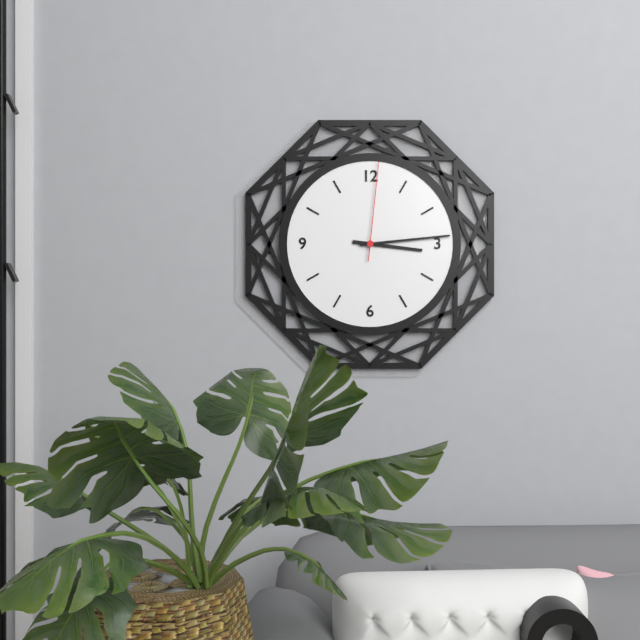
3:14:01
